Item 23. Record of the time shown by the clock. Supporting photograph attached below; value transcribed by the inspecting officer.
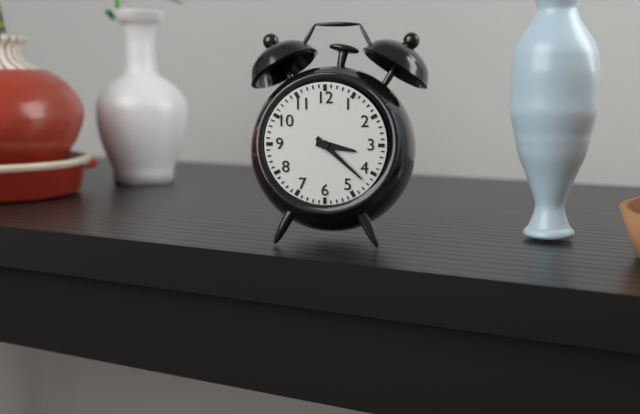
3:22
